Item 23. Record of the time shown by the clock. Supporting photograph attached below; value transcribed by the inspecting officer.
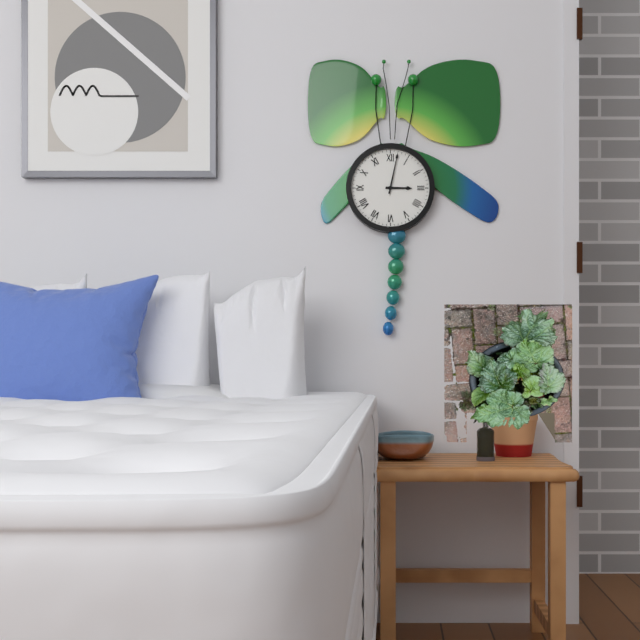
3:02
